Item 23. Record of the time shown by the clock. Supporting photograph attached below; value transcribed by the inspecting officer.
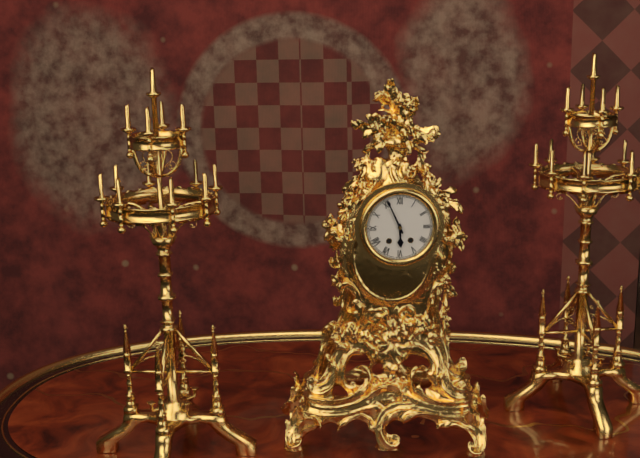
5:56
